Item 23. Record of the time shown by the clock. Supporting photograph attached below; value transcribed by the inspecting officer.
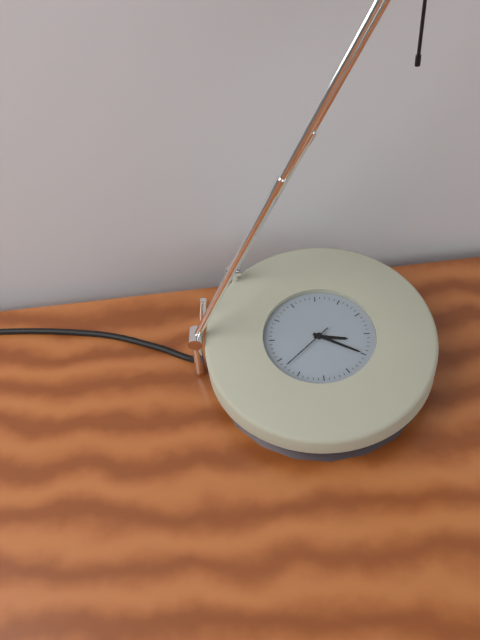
3:20:38
